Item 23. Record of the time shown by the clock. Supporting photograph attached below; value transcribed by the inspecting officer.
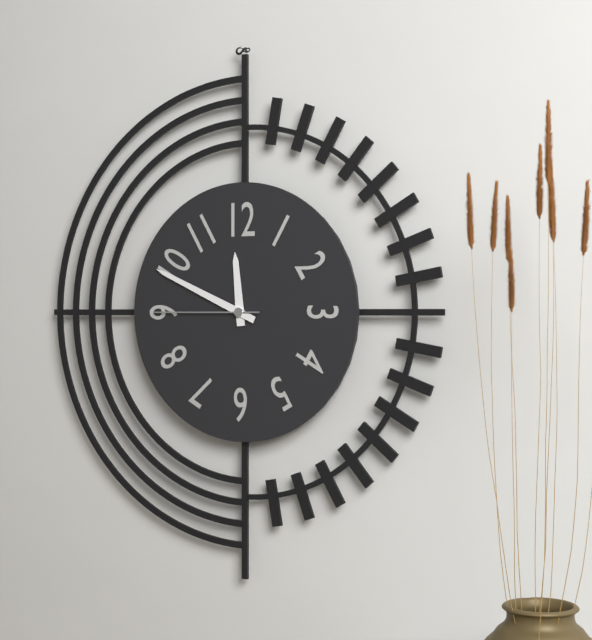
11:49:45
